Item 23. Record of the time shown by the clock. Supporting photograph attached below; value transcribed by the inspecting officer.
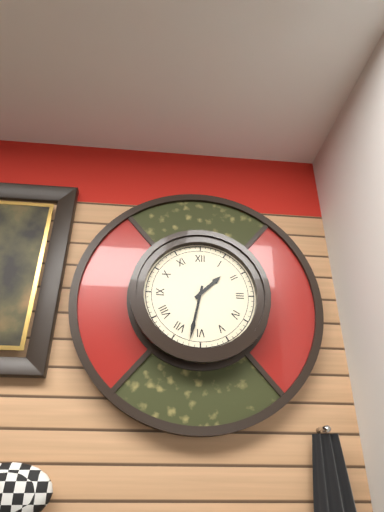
1:32
